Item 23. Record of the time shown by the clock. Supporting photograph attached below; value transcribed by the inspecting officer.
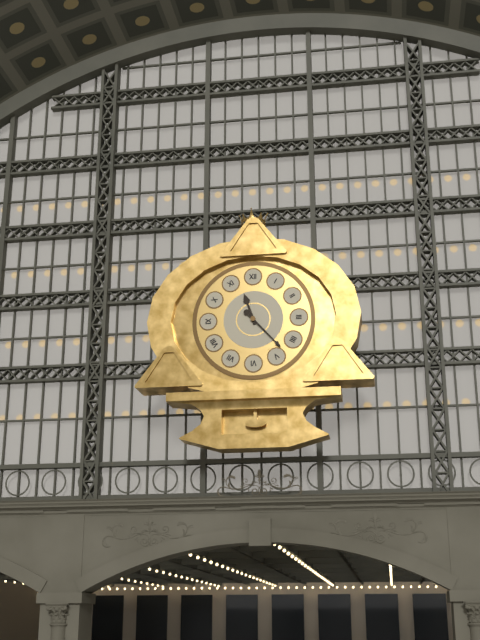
11:23
